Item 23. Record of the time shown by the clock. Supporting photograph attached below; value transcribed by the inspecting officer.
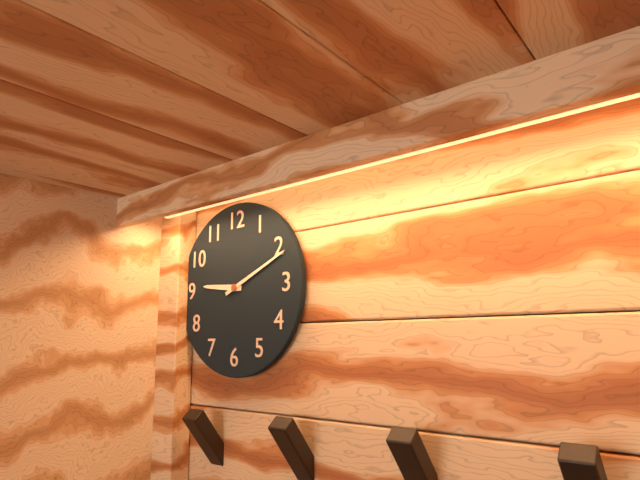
9:11
